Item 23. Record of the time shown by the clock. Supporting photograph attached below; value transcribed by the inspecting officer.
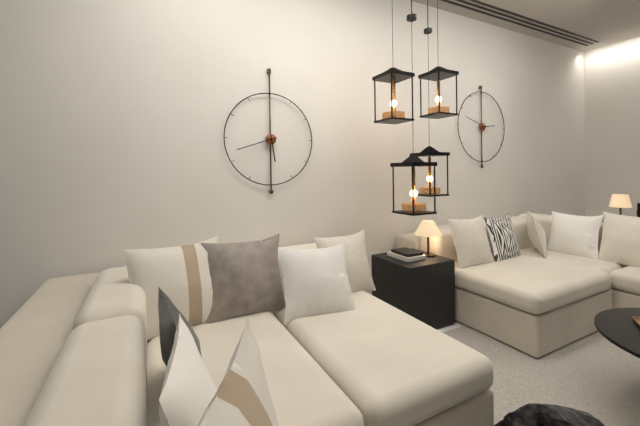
5:42
